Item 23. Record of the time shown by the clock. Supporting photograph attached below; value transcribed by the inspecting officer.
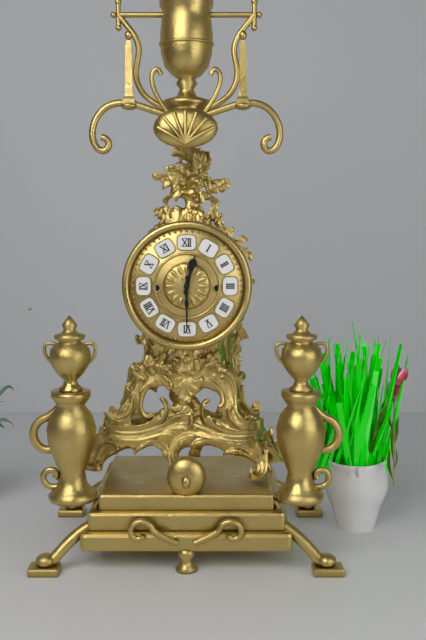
12:30
